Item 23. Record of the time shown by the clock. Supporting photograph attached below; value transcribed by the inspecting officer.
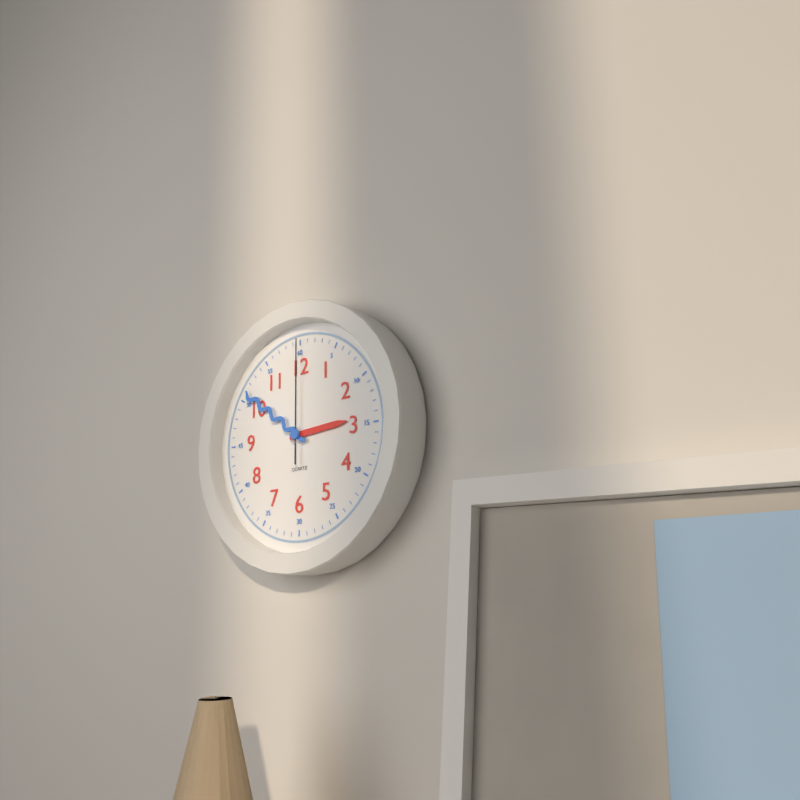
2:51:00
